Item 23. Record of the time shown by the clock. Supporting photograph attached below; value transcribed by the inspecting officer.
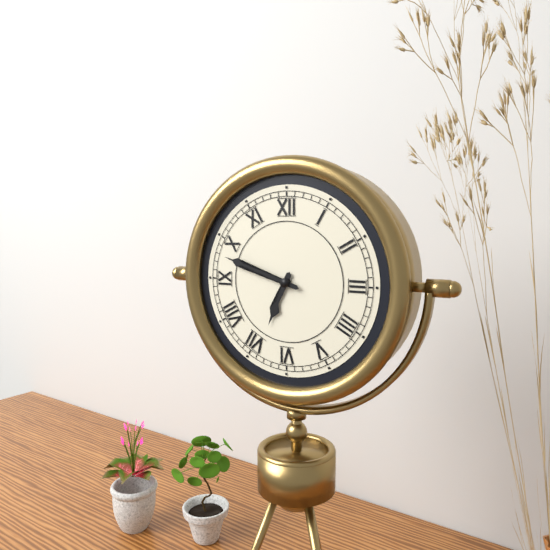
6:48
